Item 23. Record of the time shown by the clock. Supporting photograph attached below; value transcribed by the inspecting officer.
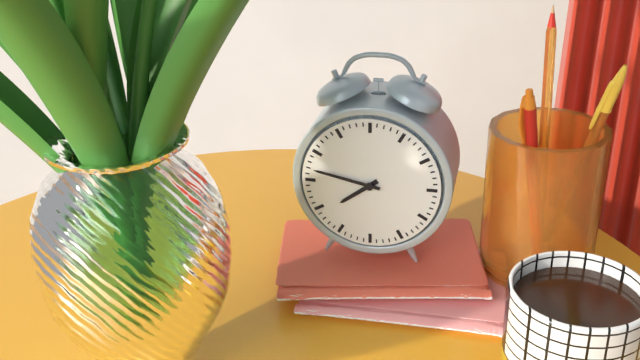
7:47
